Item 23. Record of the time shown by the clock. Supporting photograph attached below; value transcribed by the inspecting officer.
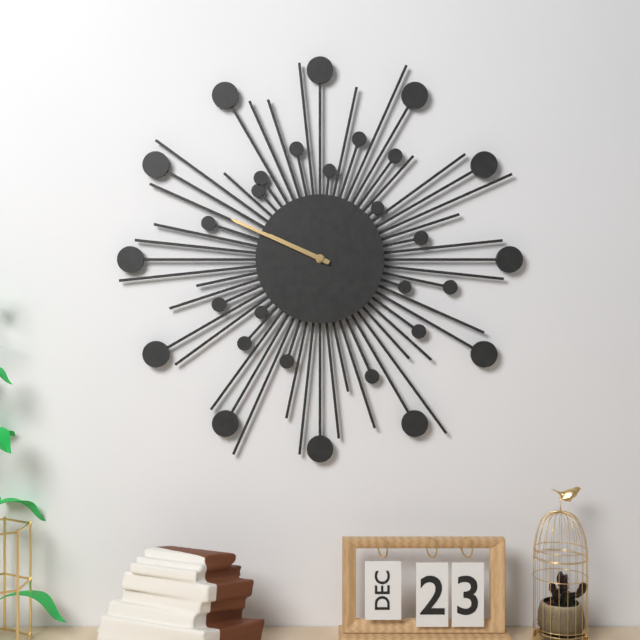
9:49
